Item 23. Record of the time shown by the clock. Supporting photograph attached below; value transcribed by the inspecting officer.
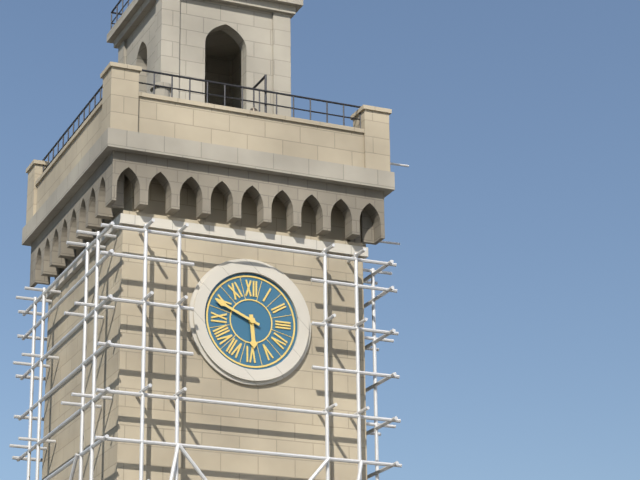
5:49
